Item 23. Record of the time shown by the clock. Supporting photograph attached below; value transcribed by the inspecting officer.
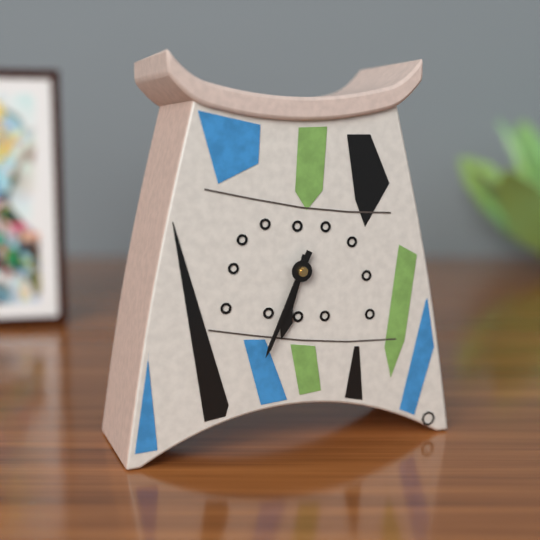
6:34
